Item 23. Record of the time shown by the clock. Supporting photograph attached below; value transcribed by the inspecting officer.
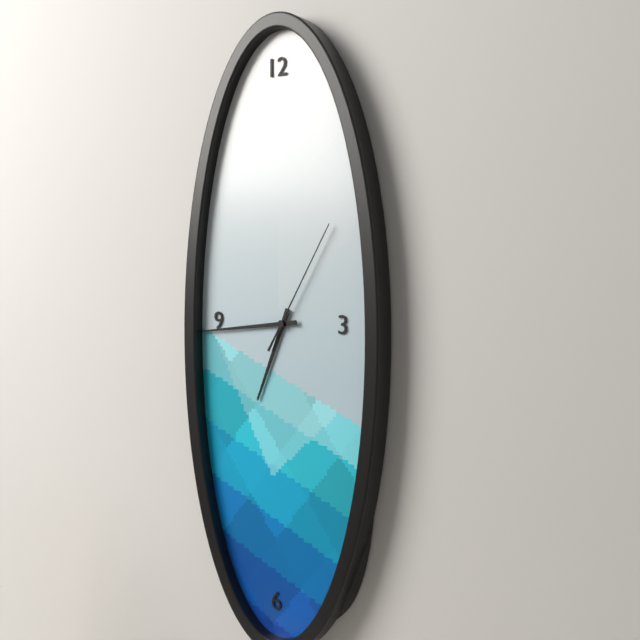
6:44:05
